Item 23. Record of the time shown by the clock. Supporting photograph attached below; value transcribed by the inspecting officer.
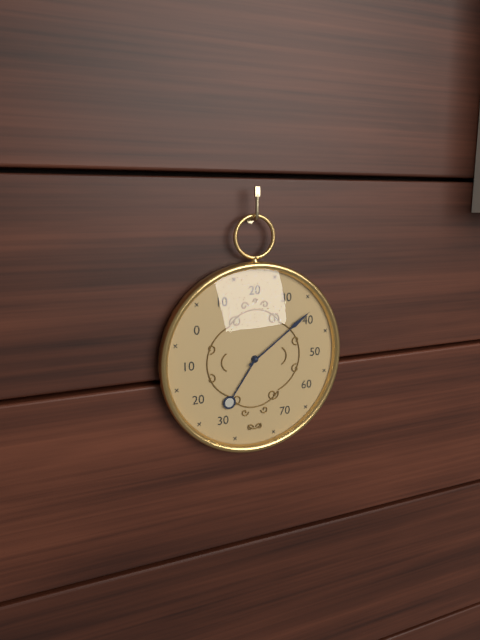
7:09
